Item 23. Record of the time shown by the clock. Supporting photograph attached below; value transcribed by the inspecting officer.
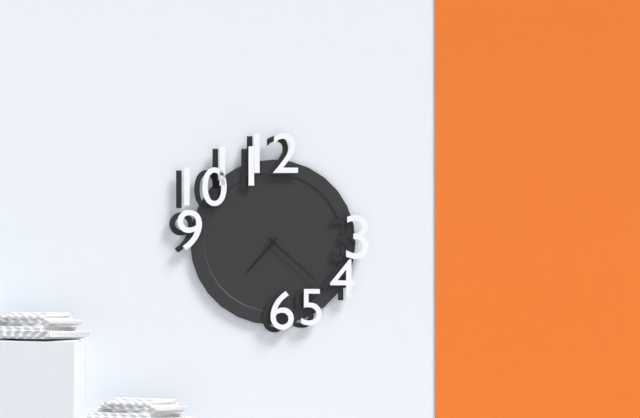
7:22
